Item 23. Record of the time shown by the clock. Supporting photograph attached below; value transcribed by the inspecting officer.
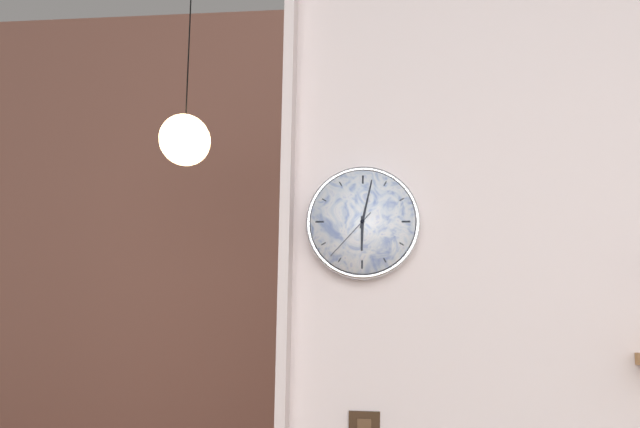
6:02:37
